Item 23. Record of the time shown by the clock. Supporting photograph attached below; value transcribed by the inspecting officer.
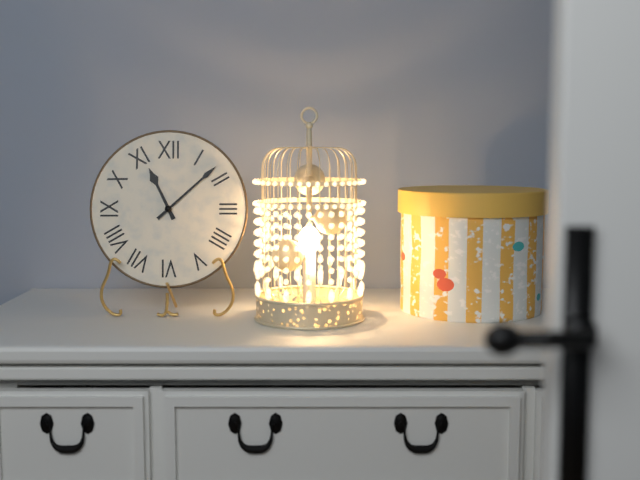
11:08
